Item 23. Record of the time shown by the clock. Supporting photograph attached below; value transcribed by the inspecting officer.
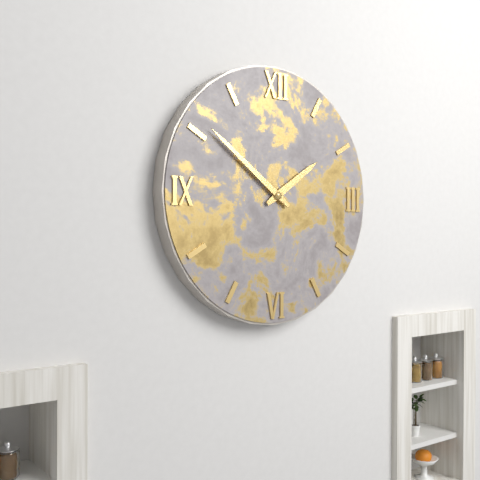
1:51
